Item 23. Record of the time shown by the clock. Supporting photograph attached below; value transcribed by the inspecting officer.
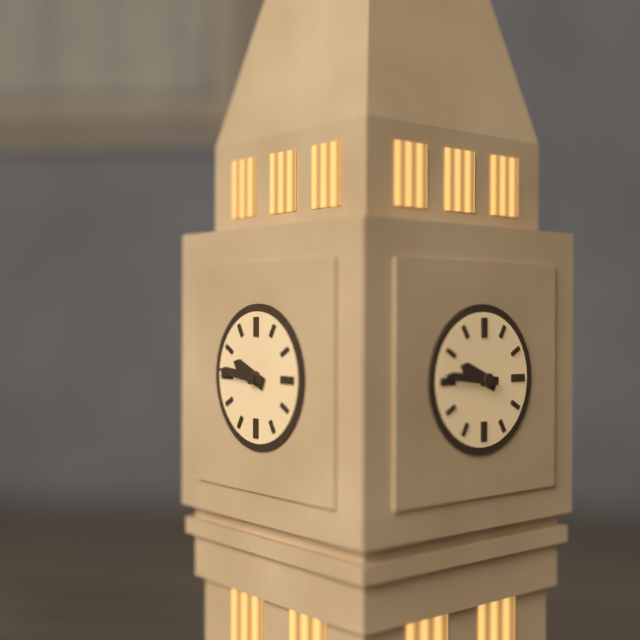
9:46
